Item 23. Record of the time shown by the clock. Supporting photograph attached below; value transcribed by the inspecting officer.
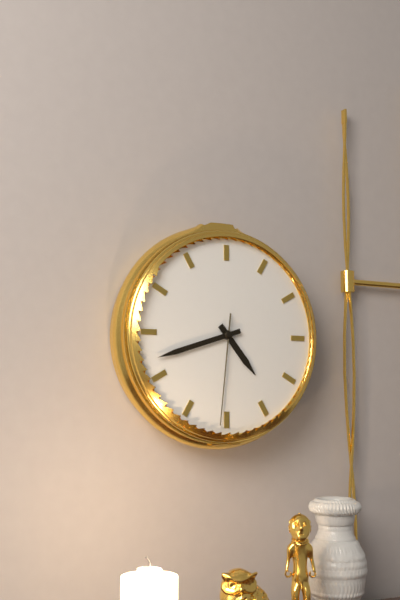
4:42:31
